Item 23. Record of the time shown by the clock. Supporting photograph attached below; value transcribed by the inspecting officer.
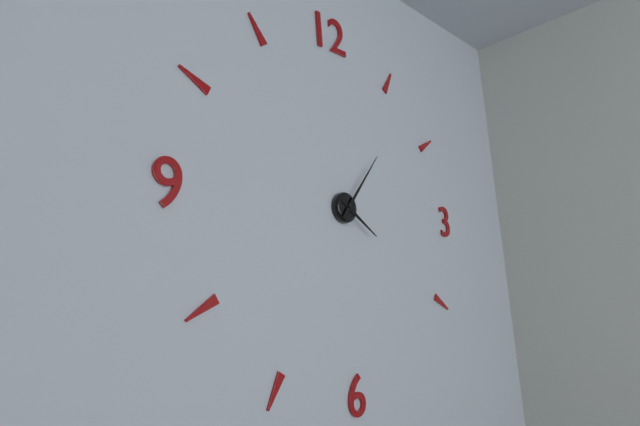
4:07
